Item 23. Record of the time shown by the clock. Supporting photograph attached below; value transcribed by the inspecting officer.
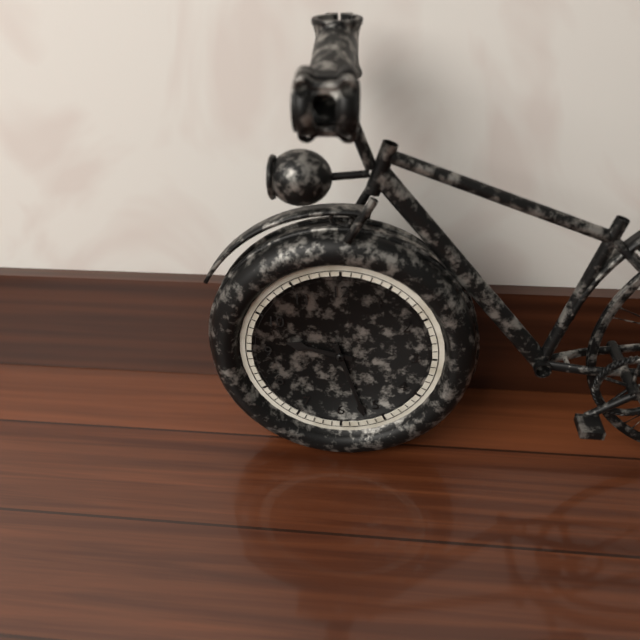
9:27
